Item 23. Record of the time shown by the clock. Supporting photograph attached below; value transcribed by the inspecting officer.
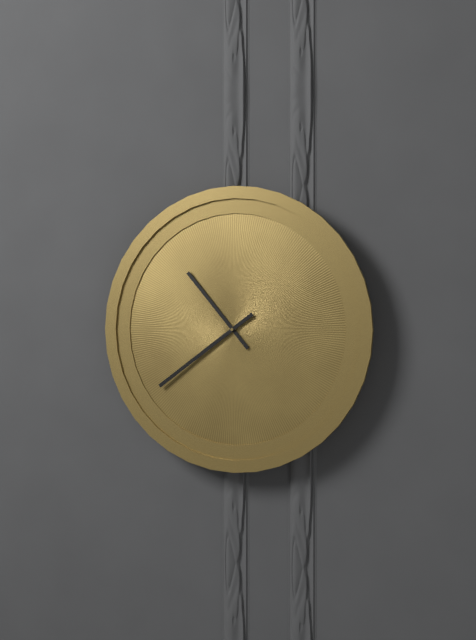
10:39
